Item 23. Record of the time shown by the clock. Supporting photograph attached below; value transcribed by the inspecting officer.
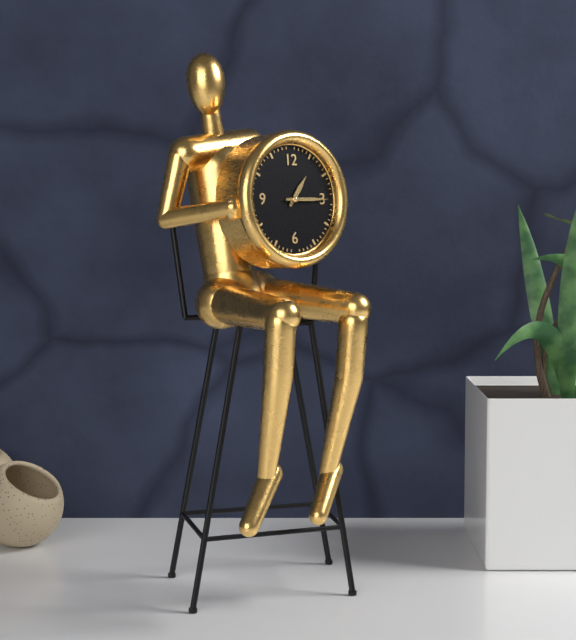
1:15
